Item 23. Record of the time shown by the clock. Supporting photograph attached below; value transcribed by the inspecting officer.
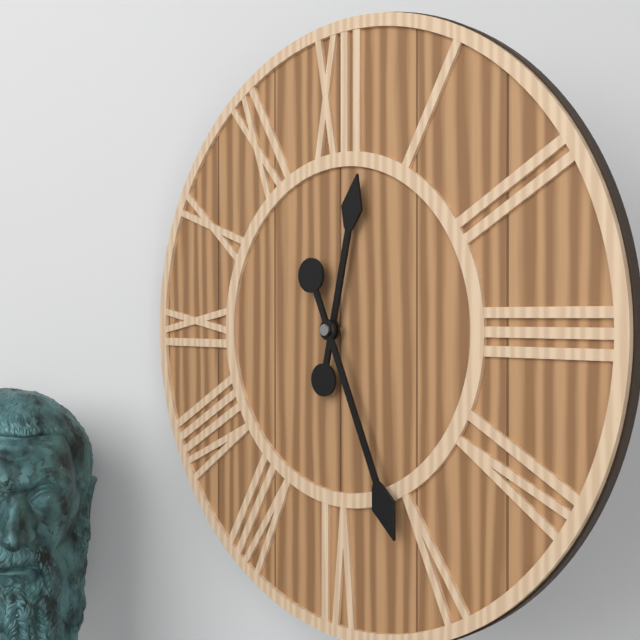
12:26
